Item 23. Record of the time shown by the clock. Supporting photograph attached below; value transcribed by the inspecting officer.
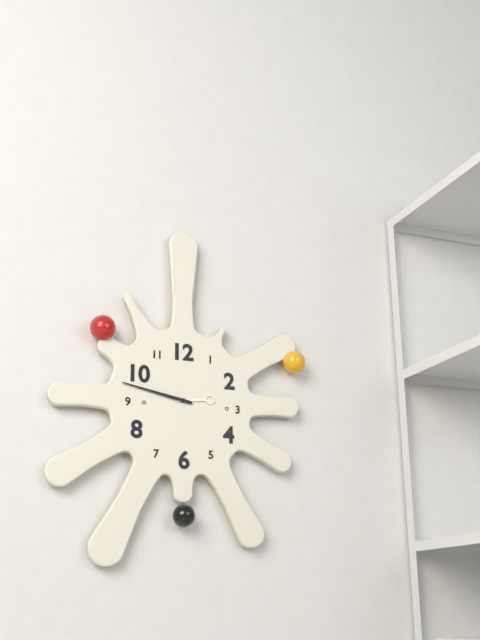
2:47
